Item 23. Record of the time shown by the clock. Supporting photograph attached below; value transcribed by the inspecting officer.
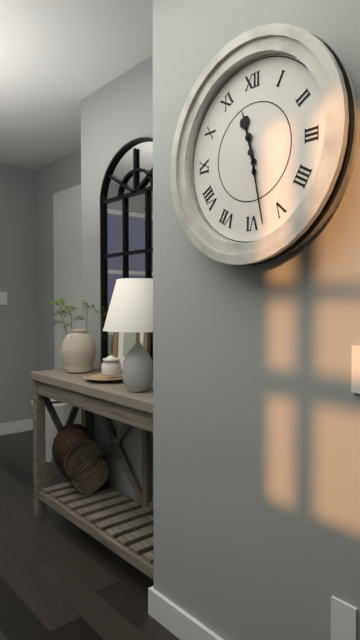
11:28
